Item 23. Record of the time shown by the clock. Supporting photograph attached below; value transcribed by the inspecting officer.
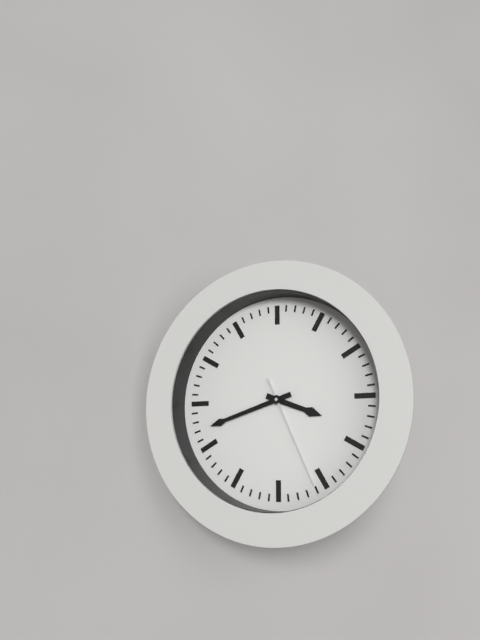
3:42:26
